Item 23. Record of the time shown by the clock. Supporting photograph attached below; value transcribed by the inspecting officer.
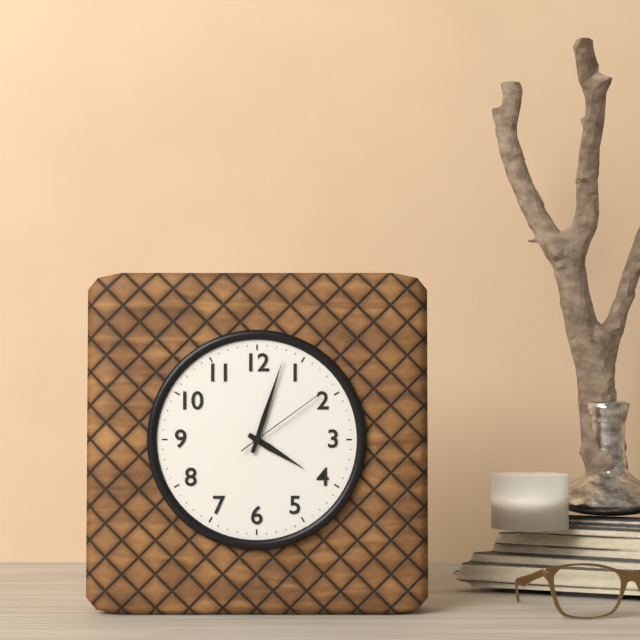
4:03:09
